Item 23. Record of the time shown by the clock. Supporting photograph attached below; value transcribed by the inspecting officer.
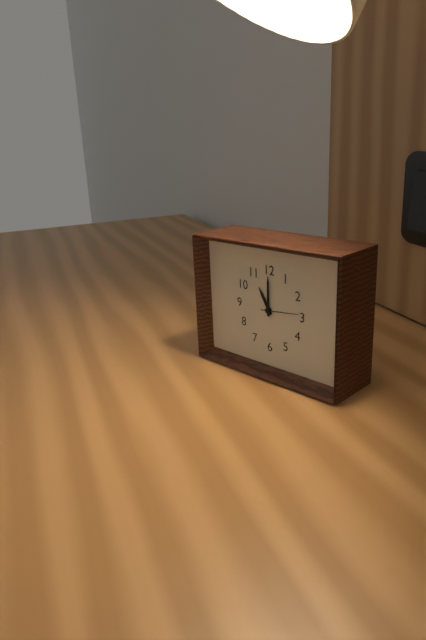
11:00
